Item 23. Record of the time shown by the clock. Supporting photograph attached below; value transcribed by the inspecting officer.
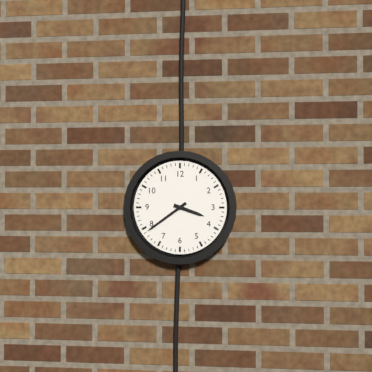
3:39
